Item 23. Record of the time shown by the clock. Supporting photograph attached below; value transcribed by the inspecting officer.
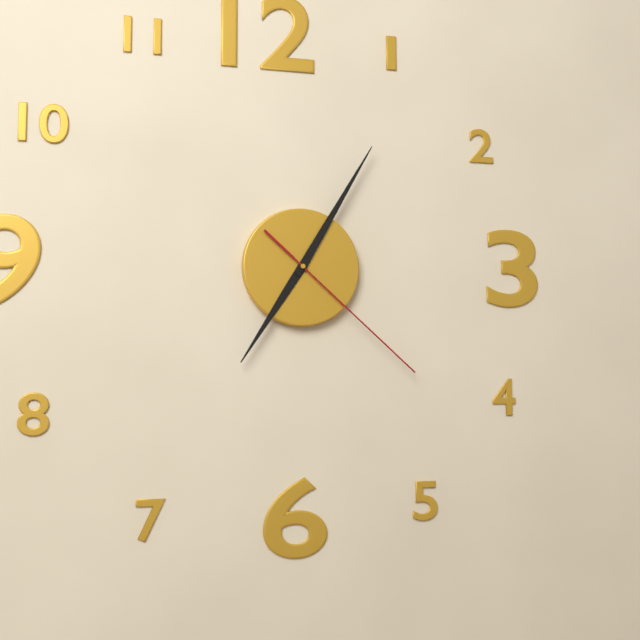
7:05:22
